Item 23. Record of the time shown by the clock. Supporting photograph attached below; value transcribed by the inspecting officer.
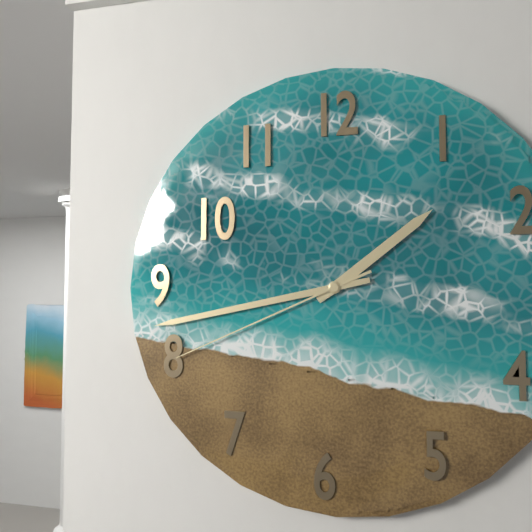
1:43:41
